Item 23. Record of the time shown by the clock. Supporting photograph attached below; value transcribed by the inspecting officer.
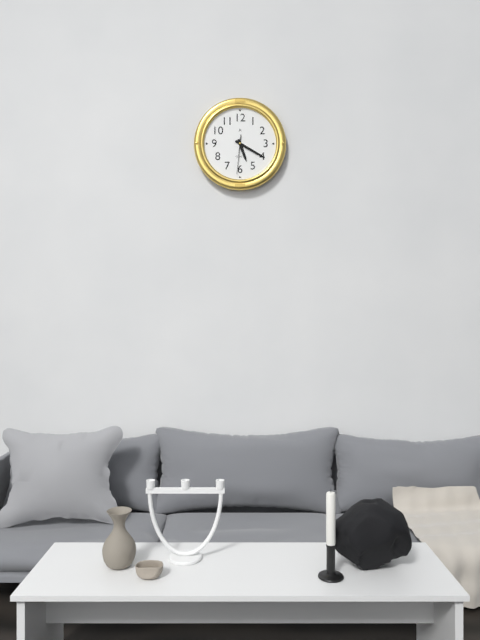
5:20
